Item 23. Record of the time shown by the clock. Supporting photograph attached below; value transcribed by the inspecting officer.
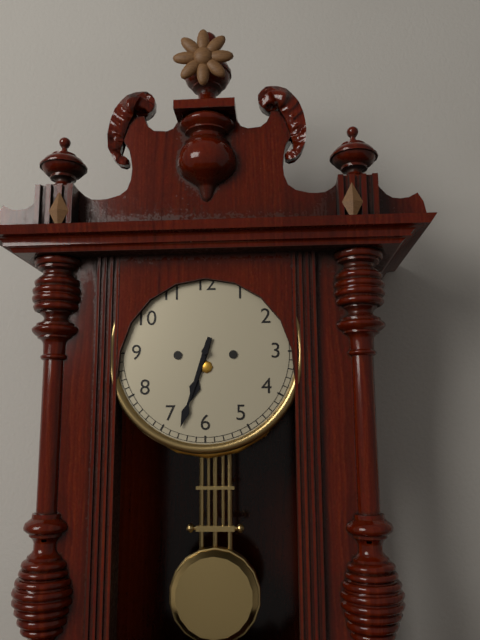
6:33
